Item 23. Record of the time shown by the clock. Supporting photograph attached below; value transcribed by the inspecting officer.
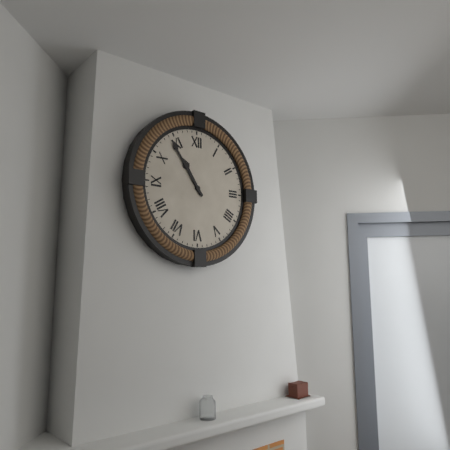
10:54
